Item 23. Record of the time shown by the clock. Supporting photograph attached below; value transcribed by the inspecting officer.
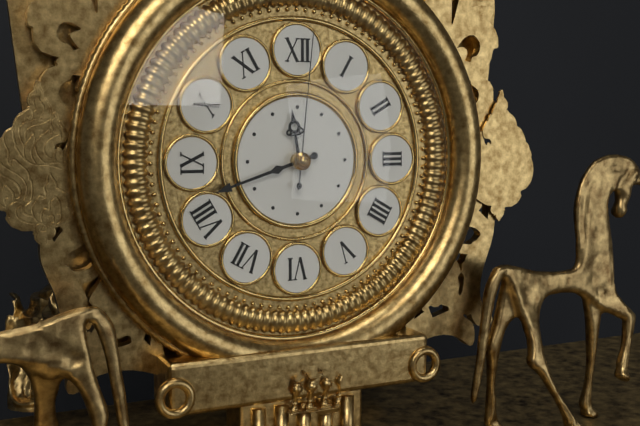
11:42:01
